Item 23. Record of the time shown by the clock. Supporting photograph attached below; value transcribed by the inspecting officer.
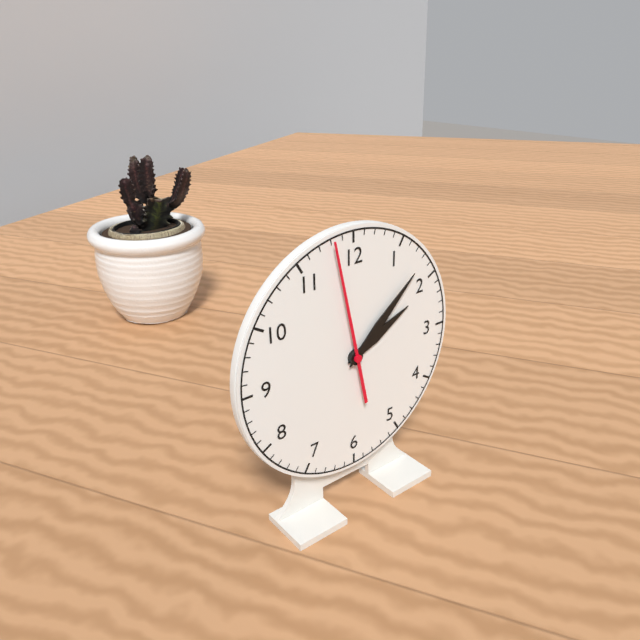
2:08:58
